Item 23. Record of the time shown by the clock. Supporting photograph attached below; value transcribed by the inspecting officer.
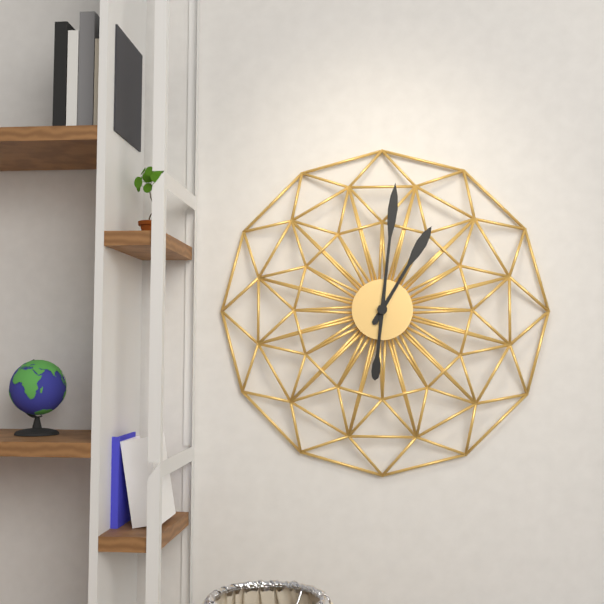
1:01
